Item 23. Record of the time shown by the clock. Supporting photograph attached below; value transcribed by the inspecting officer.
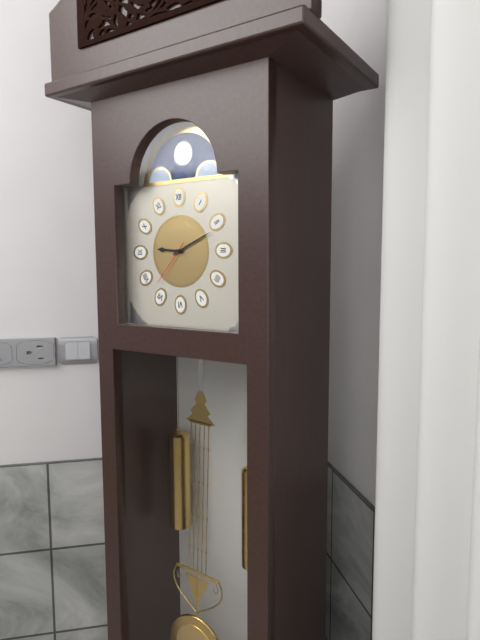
9:11
